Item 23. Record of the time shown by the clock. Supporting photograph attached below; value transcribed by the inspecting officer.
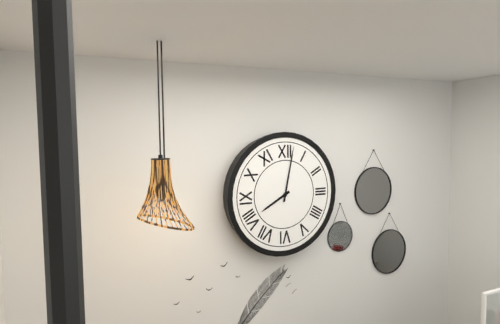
8:02
